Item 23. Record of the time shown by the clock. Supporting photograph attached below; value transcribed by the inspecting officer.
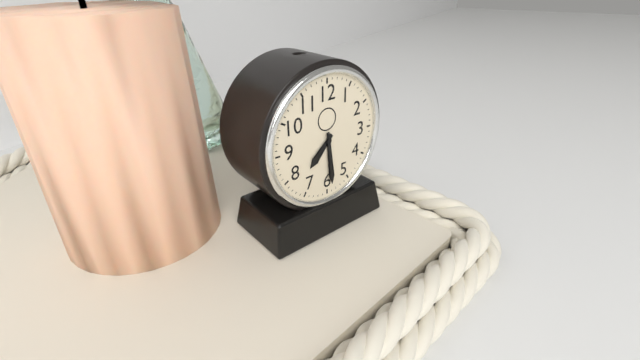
7:29
